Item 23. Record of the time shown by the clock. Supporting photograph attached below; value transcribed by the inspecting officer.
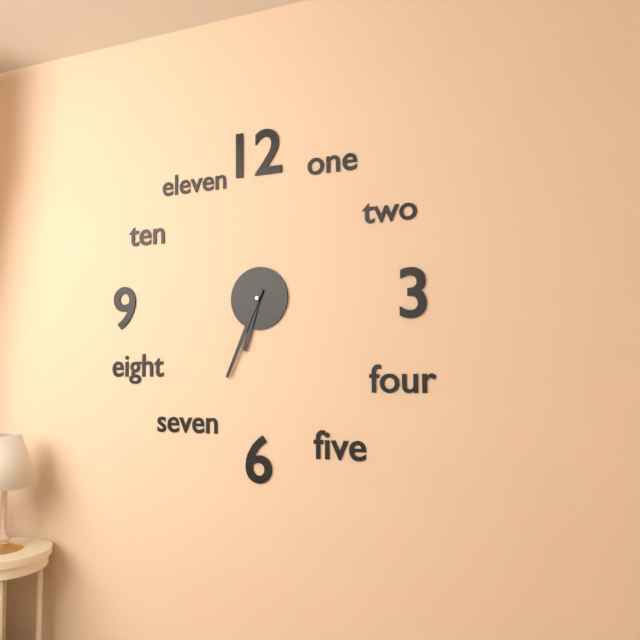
6:34
